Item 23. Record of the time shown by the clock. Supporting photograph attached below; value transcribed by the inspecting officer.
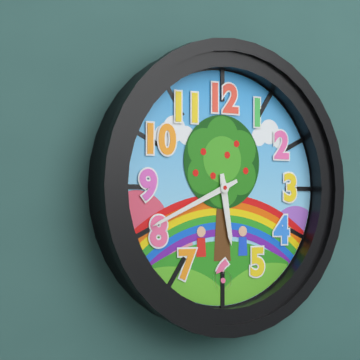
5:41
